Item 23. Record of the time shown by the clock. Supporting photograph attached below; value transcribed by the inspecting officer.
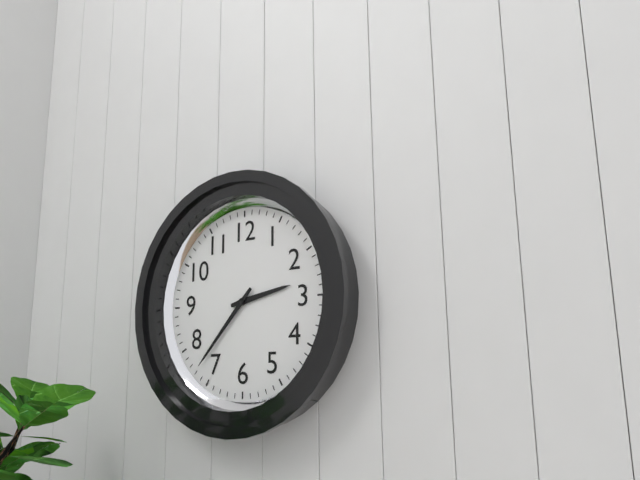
2:37
